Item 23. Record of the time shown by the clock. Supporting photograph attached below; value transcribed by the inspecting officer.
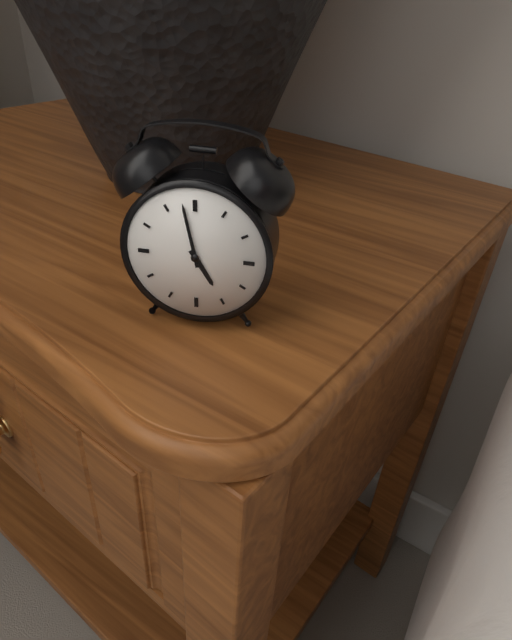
4:58
